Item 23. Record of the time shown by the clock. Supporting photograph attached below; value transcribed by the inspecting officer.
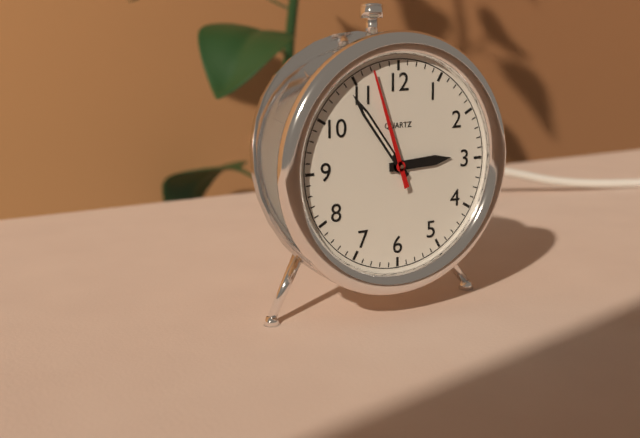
2:54:57
